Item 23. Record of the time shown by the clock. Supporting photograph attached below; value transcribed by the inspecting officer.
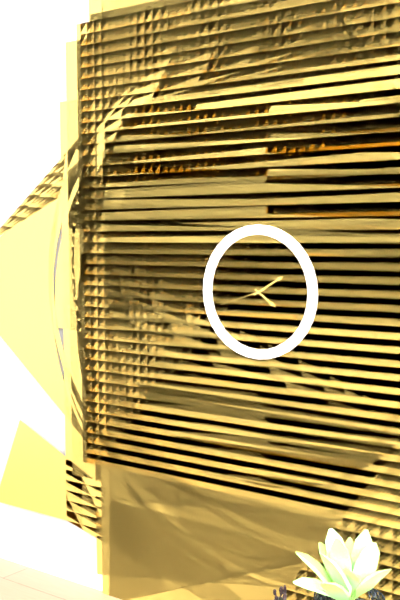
4:10
